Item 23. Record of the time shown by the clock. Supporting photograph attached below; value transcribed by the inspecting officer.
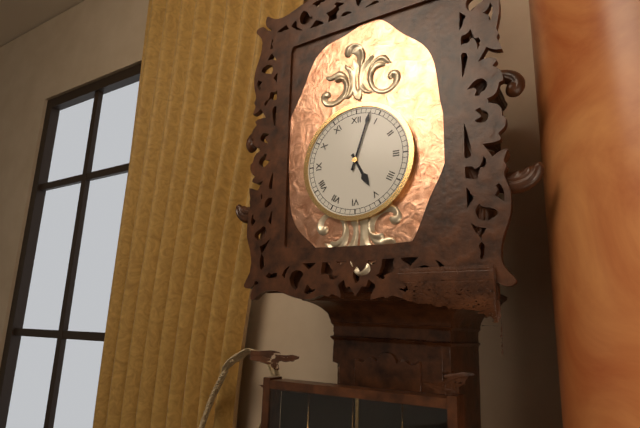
5:03
